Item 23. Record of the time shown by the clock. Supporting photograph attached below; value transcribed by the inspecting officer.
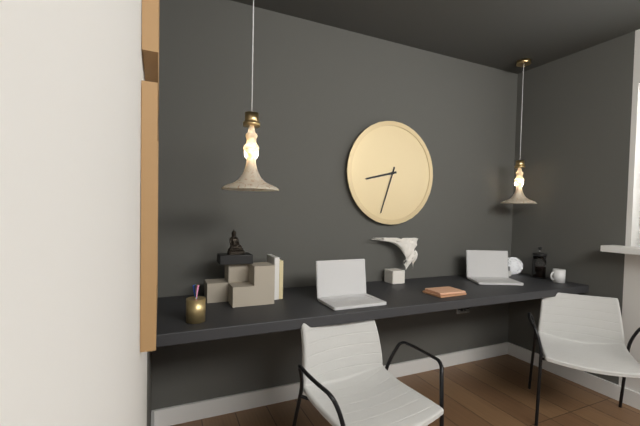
8:33
